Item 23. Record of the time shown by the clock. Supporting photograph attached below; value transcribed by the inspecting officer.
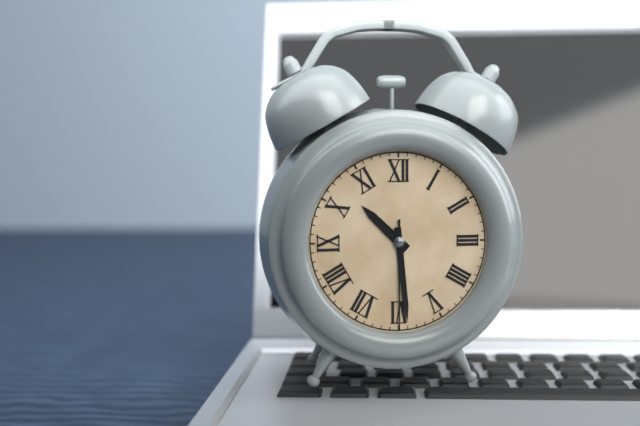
10:29:30
